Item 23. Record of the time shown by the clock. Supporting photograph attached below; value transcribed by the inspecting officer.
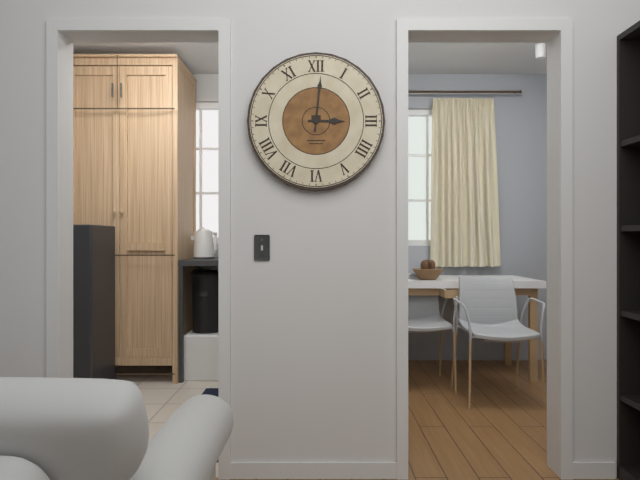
3:01
